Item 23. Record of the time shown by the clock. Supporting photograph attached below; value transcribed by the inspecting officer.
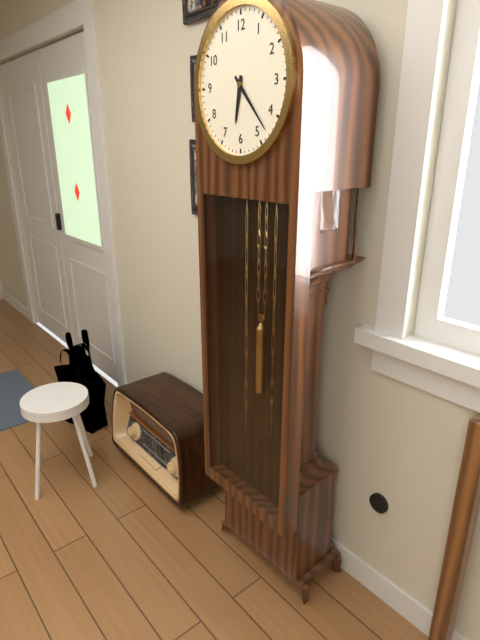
6:23
